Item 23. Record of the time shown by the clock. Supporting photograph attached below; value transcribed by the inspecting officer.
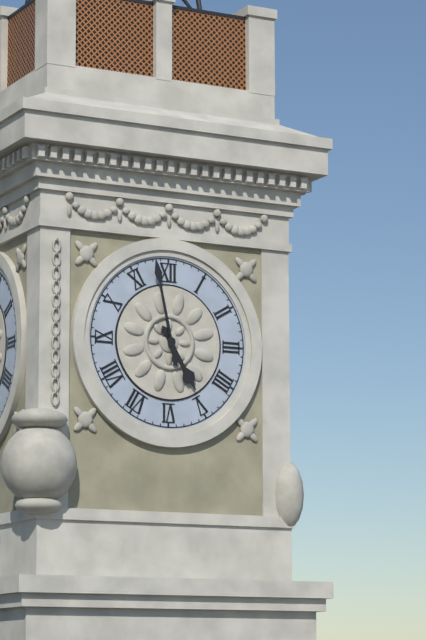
4:58
